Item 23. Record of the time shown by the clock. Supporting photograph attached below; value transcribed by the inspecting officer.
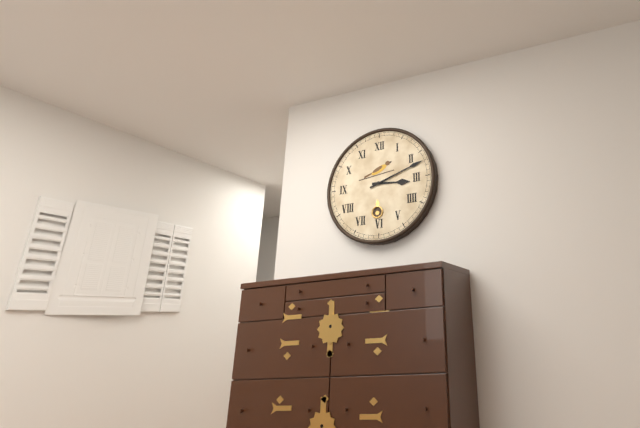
3:12
